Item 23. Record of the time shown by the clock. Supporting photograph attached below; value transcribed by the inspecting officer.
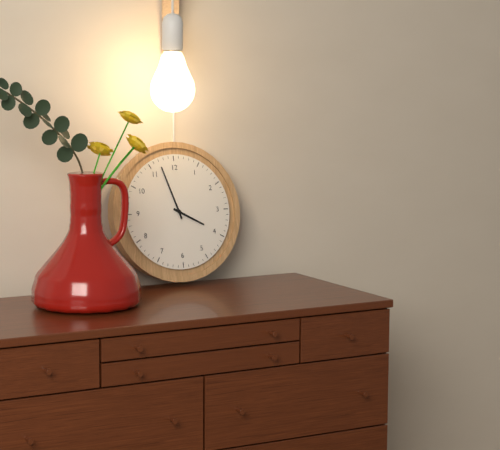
3:57
